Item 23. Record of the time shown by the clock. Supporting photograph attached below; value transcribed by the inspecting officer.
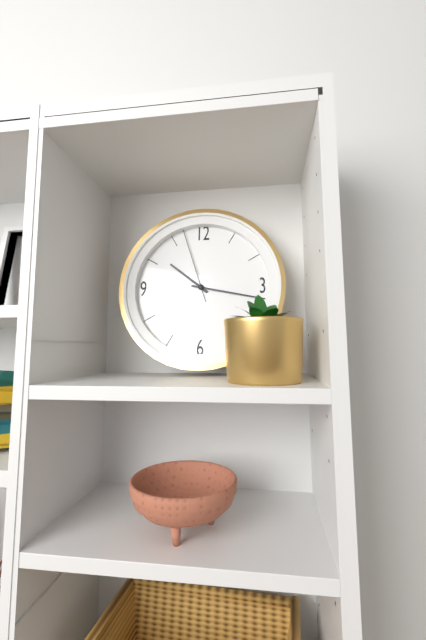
10:17:57
